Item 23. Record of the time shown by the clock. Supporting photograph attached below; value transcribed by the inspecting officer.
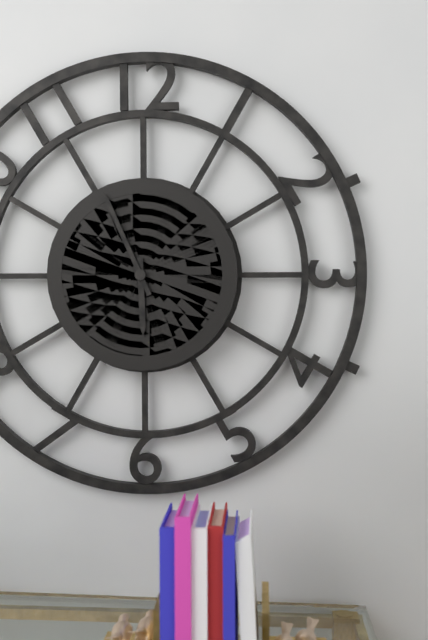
5:56
